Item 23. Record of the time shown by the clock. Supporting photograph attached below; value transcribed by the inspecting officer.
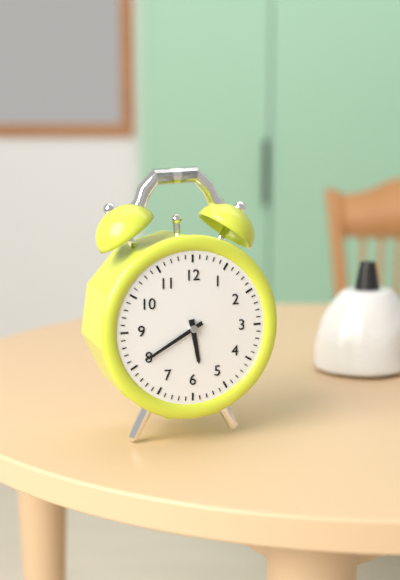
5:40
